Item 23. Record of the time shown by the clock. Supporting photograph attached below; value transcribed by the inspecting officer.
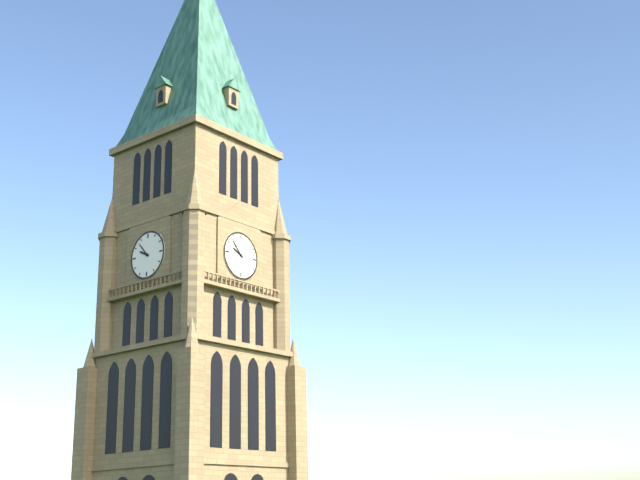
9:53
